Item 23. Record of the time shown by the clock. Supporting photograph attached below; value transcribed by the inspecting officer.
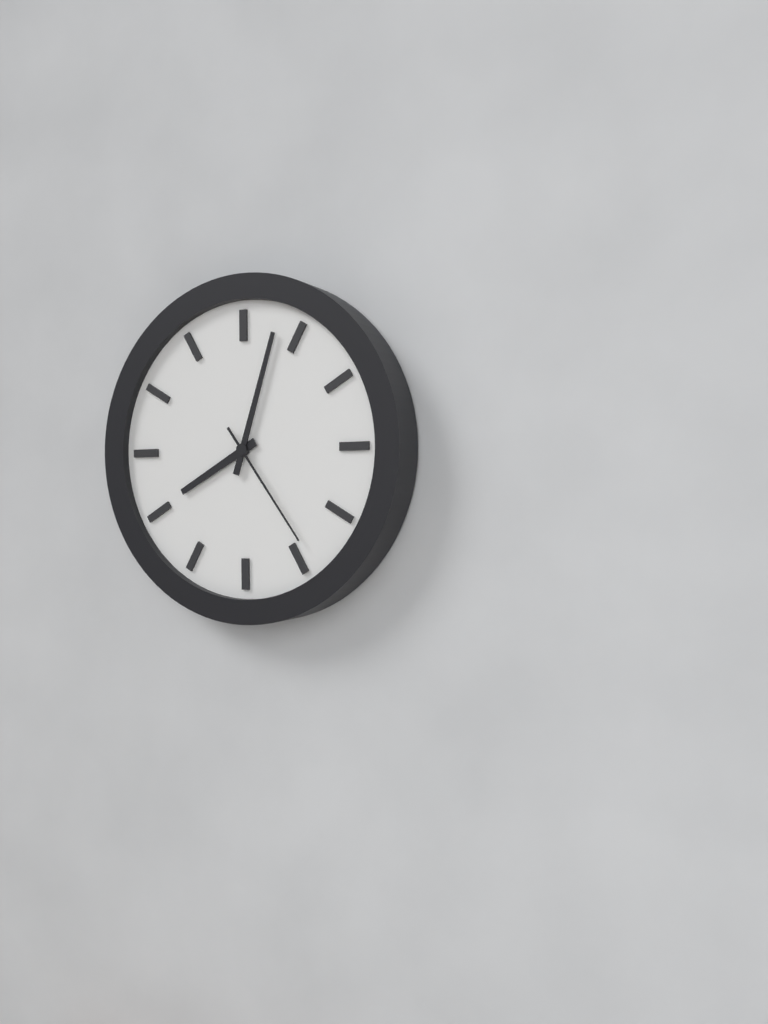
8:03:24
